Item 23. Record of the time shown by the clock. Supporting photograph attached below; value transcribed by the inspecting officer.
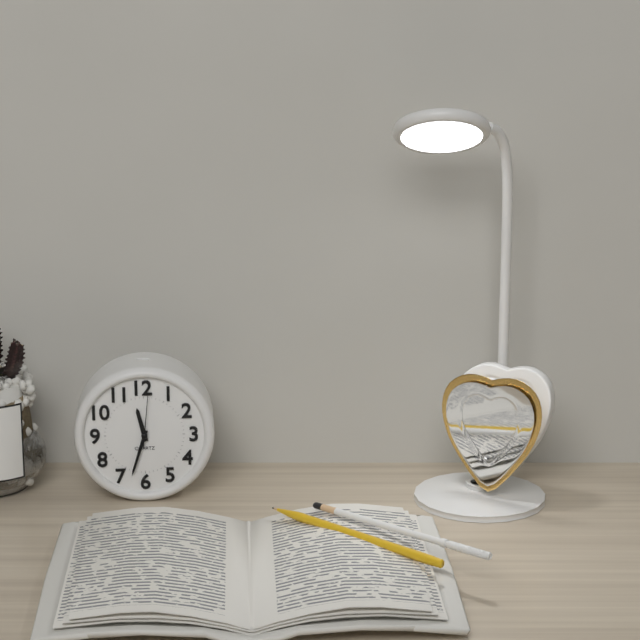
11:33:01
